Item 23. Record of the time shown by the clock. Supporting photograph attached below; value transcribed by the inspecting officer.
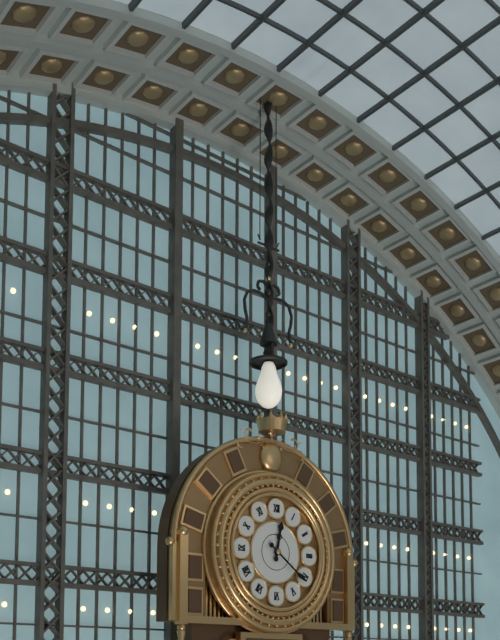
12:21
